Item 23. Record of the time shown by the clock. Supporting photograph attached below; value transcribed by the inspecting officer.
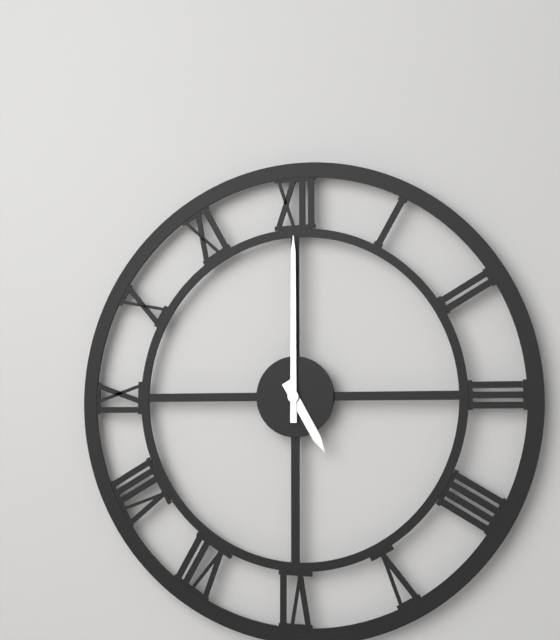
5:00
